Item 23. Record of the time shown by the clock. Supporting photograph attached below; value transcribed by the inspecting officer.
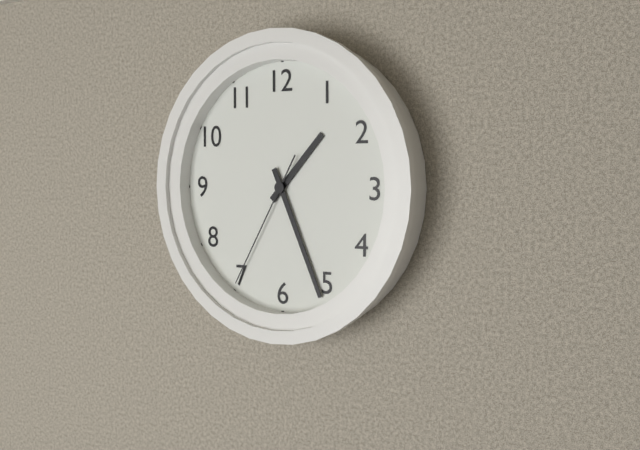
1:26:35
